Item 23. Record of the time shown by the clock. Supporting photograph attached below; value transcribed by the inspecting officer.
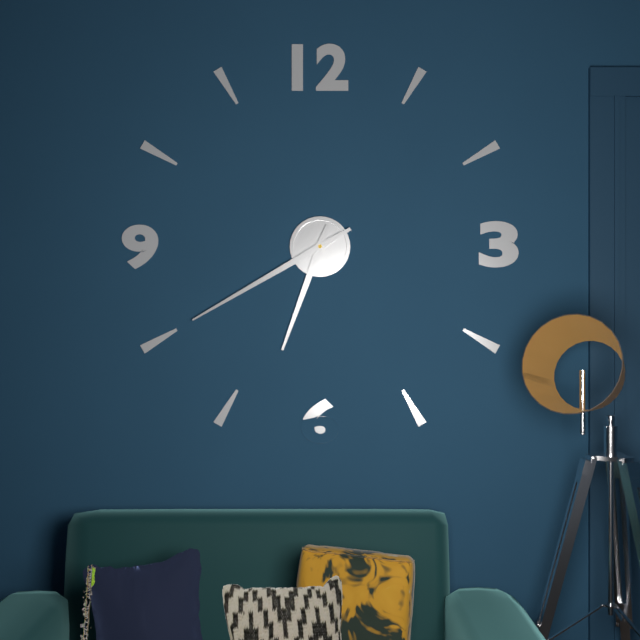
6:40
